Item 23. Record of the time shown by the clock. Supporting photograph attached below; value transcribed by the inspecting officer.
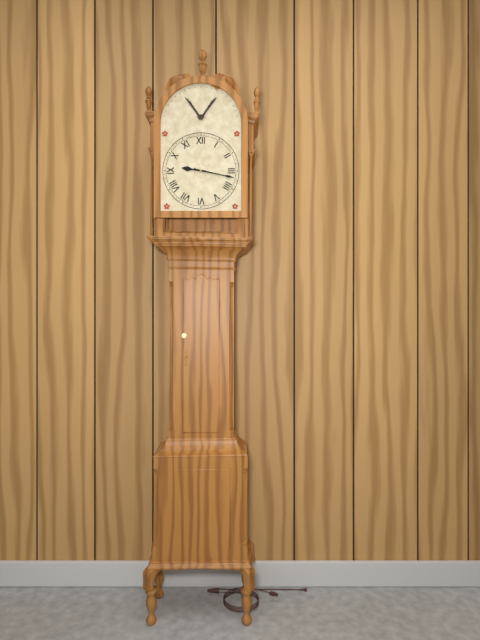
9:17
